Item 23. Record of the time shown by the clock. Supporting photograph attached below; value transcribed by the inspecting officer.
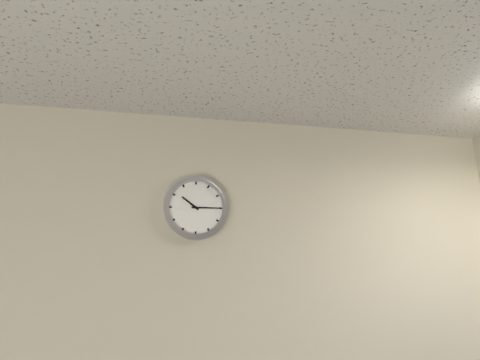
10:15
